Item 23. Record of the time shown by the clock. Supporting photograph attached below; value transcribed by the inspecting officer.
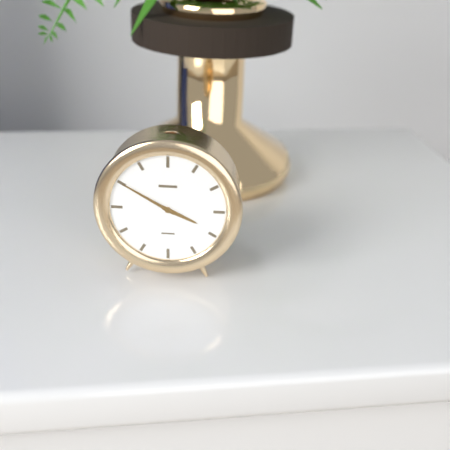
3:50
